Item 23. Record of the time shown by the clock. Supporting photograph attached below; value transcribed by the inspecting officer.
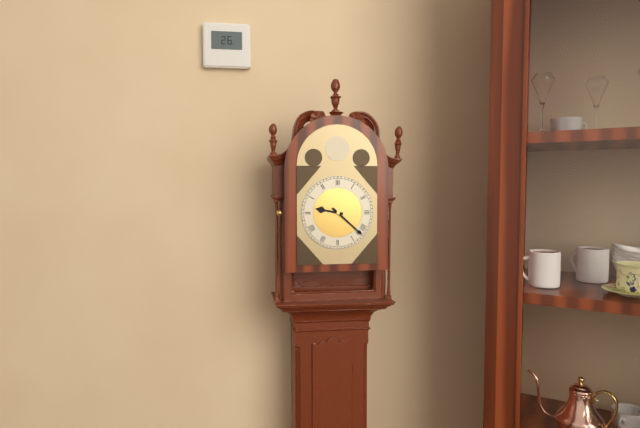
9:22
